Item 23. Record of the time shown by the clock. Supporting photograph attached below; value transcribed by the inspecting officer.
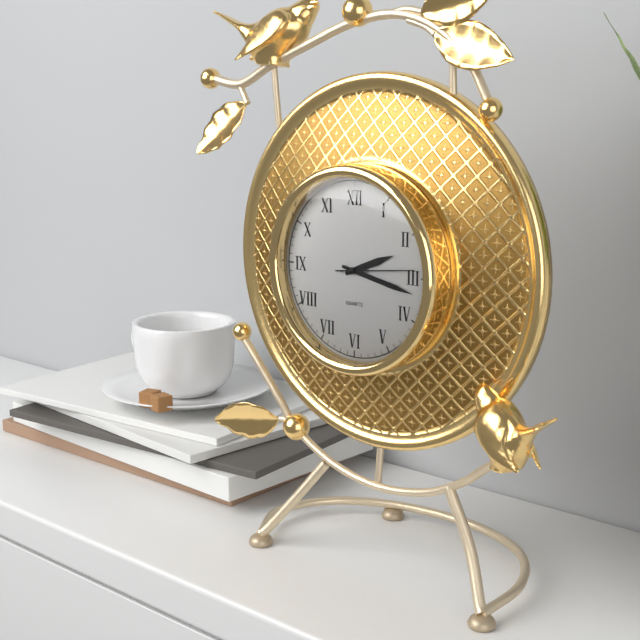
2:17:14
